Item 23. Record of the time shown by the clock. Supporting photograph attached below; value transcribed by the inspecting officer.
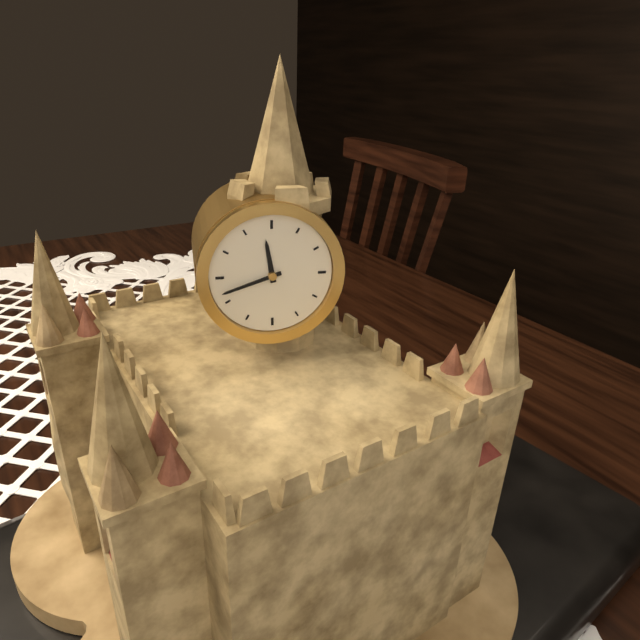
11:42
